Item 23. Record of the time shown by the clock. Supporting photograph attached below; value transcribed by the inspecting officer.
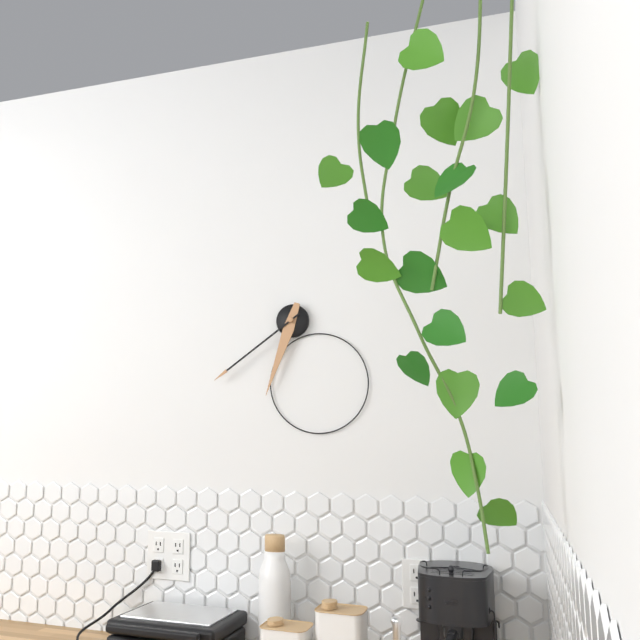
6:39
